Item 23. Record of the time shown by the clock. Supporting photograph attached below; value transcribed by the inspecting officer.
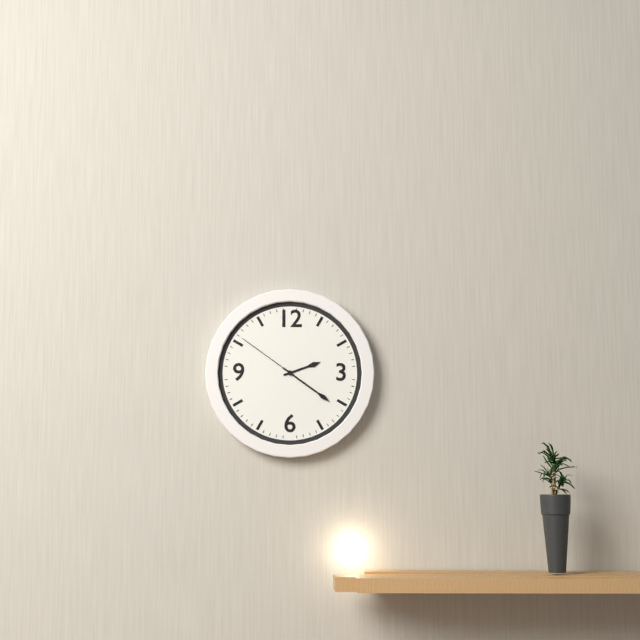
2:21:51
